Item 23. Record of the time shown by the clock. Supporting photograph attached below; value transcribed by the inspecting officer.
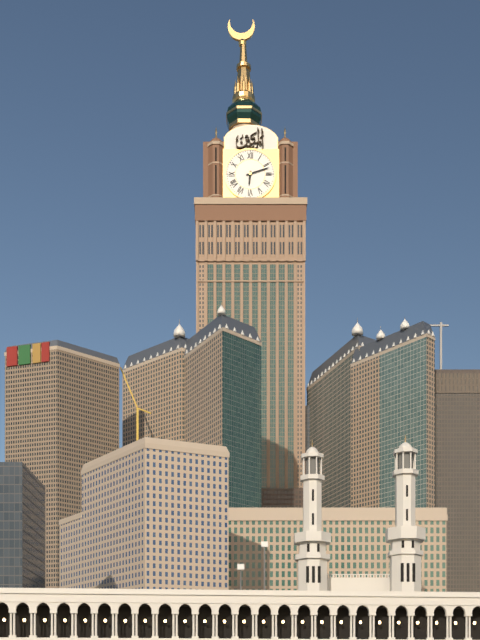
6:12
